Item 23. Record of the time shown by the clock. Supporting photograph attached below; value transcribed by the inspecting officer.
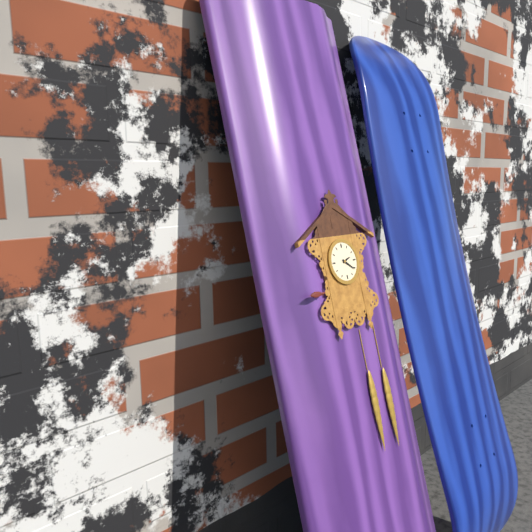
2:21
